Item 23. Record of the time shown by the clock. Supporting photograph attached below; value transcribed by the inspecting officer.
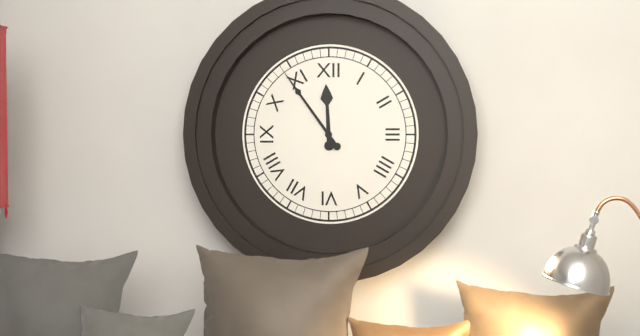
11:54
